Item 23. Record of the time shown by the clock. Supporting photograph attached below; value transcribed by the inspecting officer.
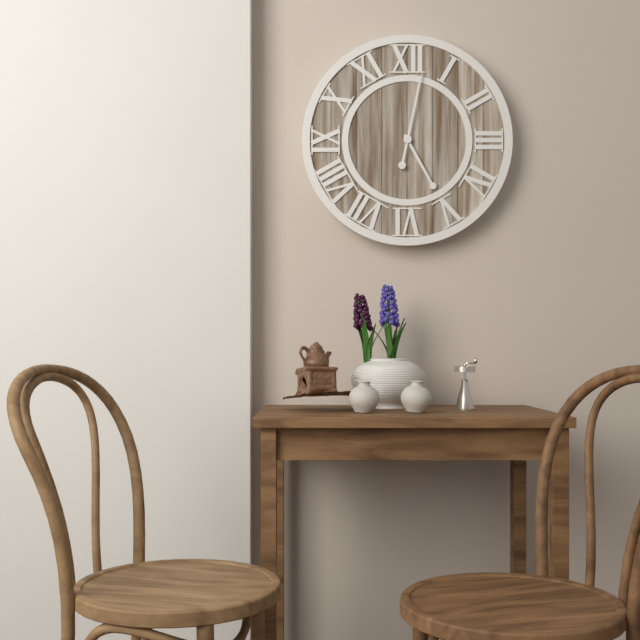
5:02
